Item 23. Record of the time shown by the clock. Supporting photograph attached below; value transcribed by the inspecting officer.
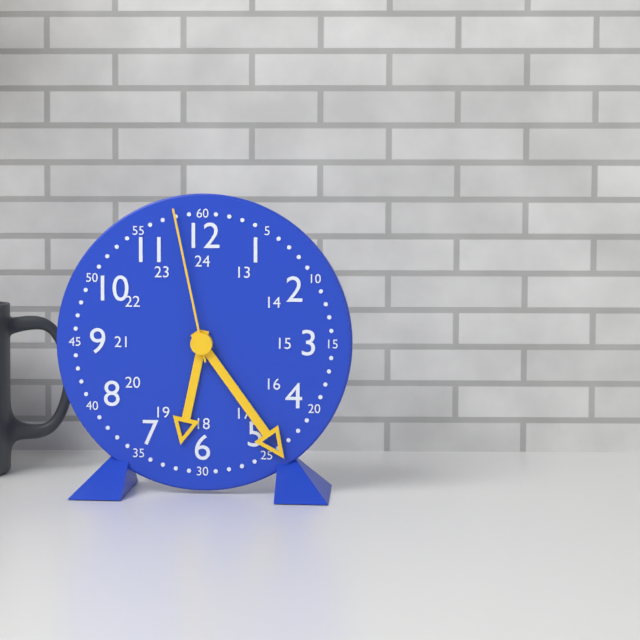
6:24:58
